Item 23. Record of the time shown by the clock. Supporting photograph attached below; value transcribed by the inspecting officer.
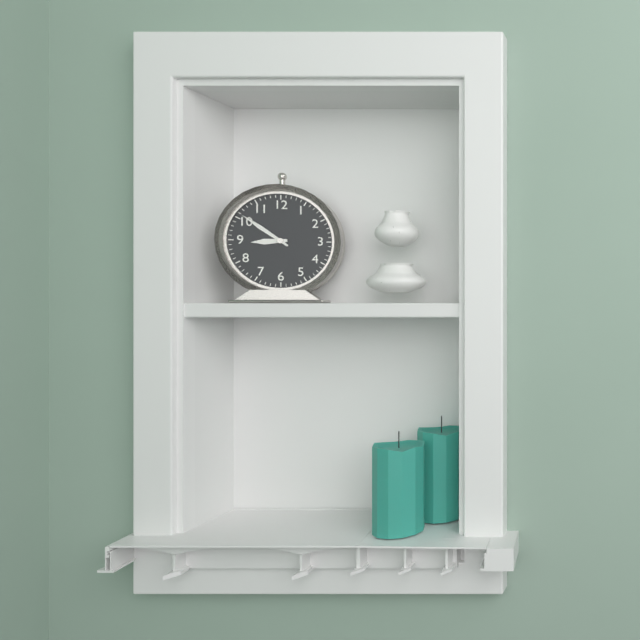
8:51
